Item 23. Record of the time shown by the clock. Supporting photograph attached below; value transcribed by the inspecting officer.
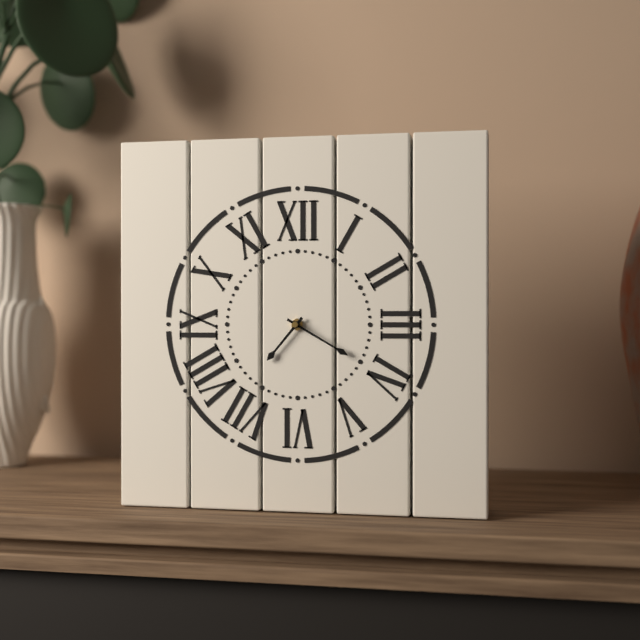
7:20
